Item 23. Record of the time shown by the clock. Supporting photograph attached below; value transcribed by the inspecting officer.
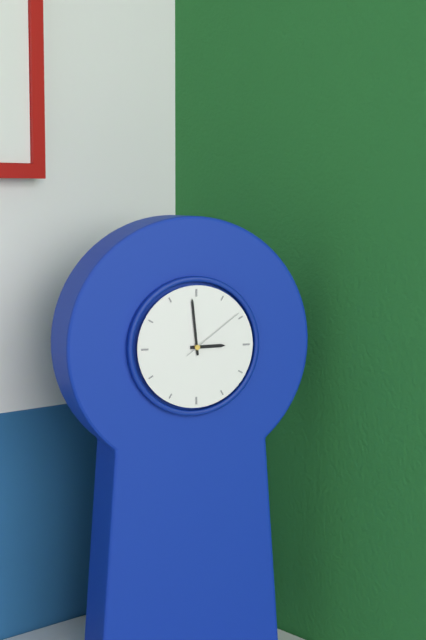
2:59:09
